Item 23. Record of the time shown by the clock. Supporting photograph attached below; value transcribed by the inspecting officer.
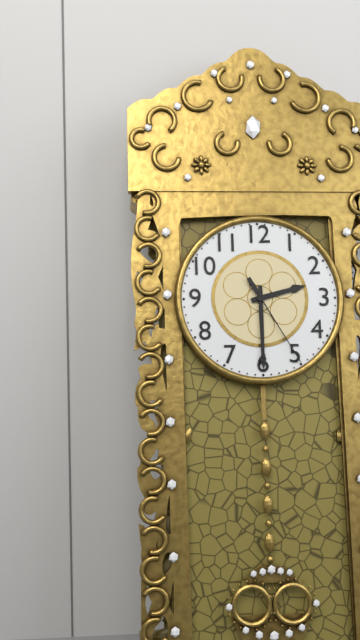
2:30:25
